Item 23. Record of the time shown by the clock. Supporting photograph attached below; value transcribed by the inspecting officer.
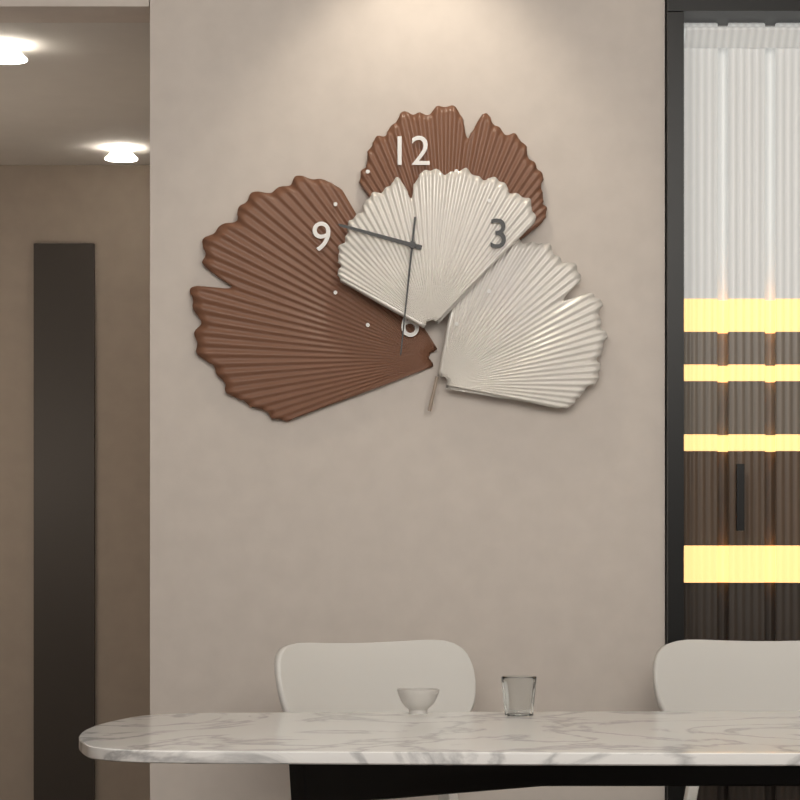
9:31
